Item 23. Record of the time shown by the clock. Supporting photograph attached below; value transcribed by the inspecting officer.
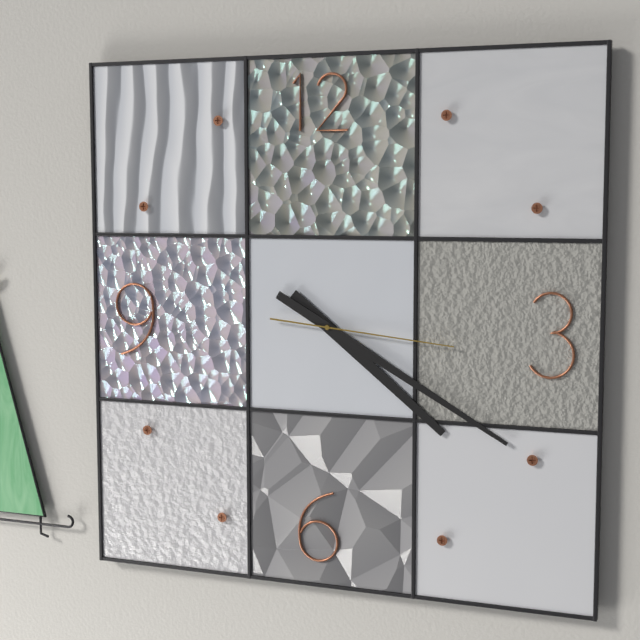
4:20:16
